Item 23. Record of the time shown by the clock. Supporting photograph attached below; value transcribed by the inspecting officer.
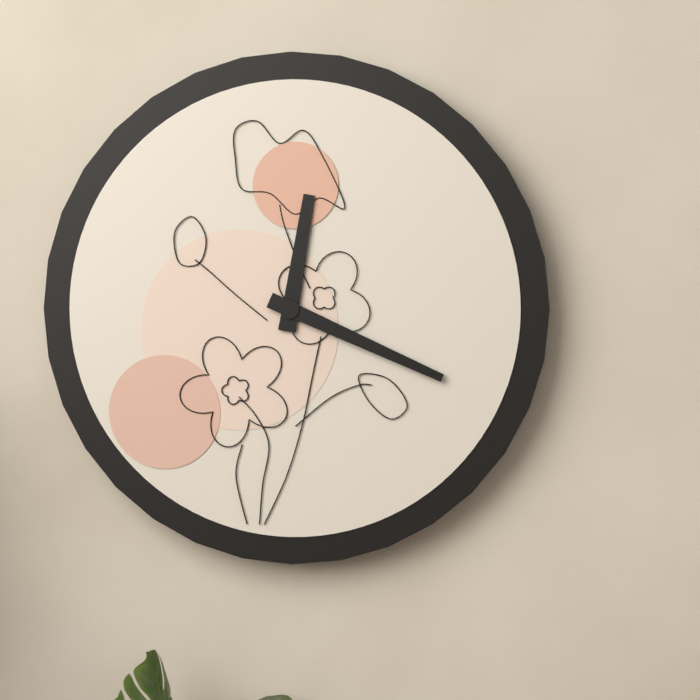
12:19
